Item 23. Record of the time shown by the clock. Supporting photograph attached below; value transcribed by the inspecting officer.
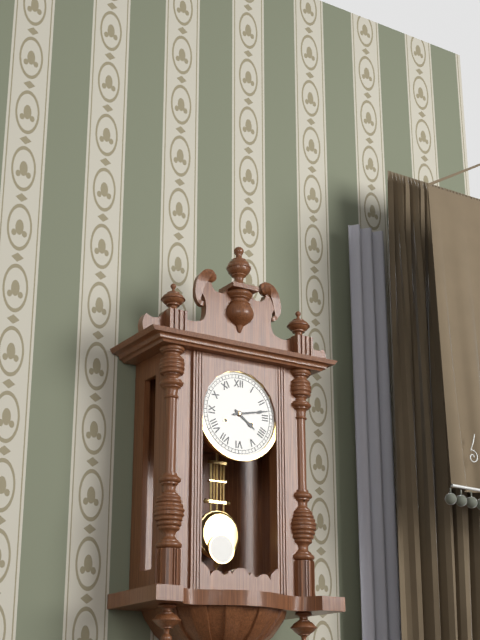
4:13
